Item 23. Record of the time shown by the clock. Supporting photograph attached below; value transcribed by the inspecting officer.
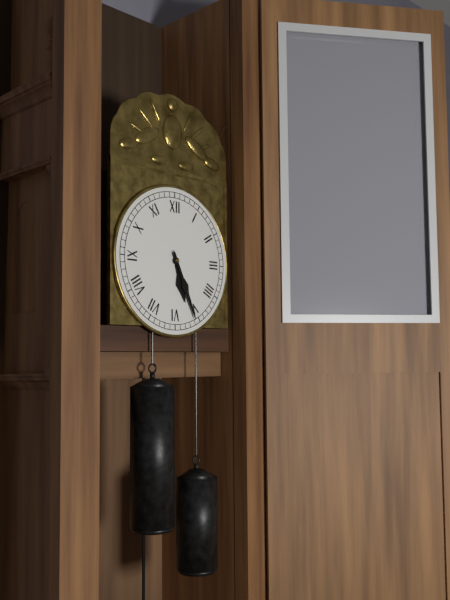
5:26
